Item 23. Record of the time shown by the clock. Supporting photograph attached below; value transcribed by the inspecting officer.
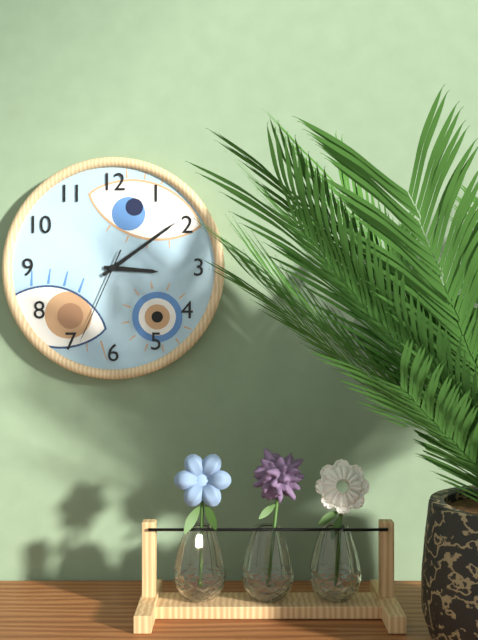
3:09:34
